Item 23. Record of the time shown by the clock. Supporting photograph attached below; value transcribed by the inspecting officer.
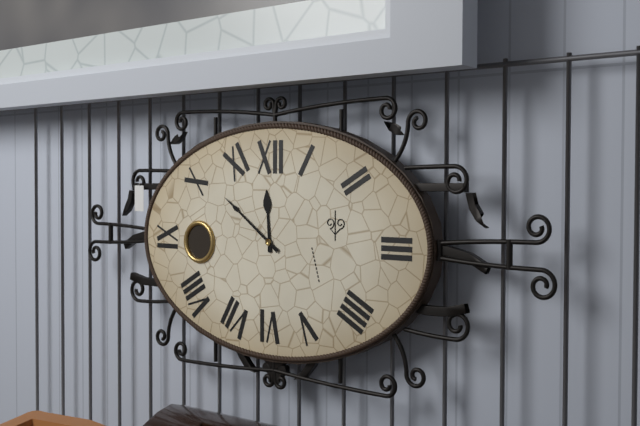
11:51
